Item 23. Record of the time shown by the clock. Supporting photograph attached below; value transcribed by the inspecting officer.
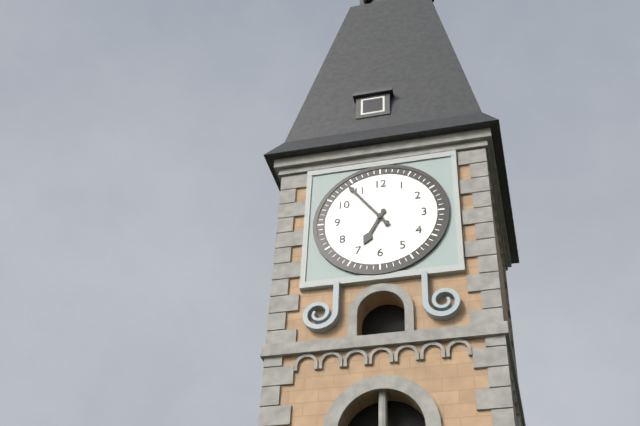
6:54
